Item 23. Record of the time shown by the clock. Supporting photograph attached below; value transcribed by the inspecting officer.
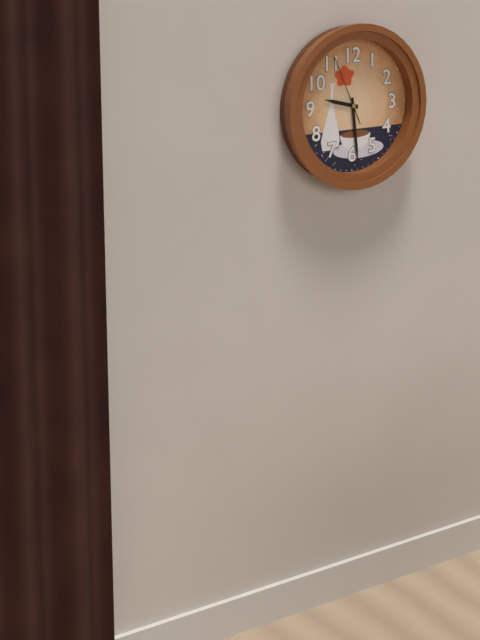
9:29:56
